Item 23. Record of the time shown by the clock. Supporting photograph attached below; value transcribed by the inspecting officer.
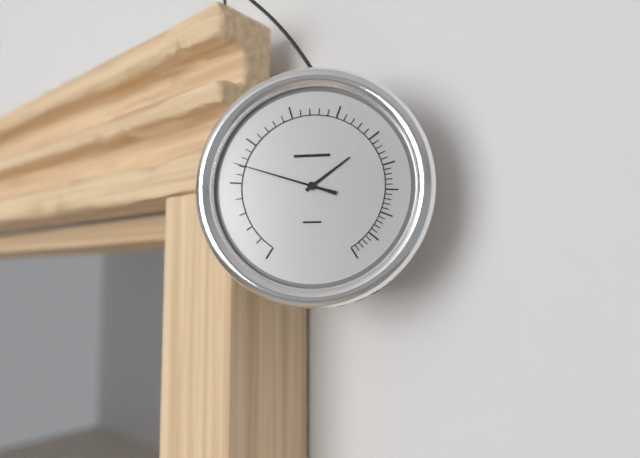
1:48
